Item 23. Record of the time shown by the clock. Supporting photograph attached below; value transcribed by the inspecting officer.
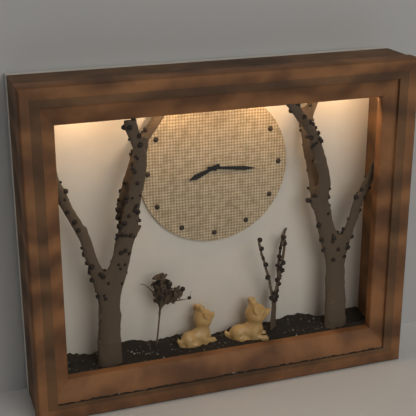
8:16
